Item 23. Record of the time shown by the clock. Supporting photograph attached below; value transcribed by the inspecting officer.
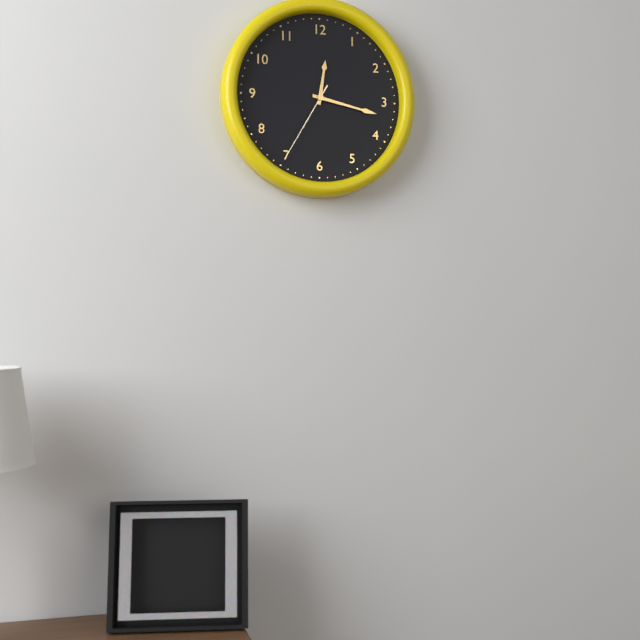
12:17:35
